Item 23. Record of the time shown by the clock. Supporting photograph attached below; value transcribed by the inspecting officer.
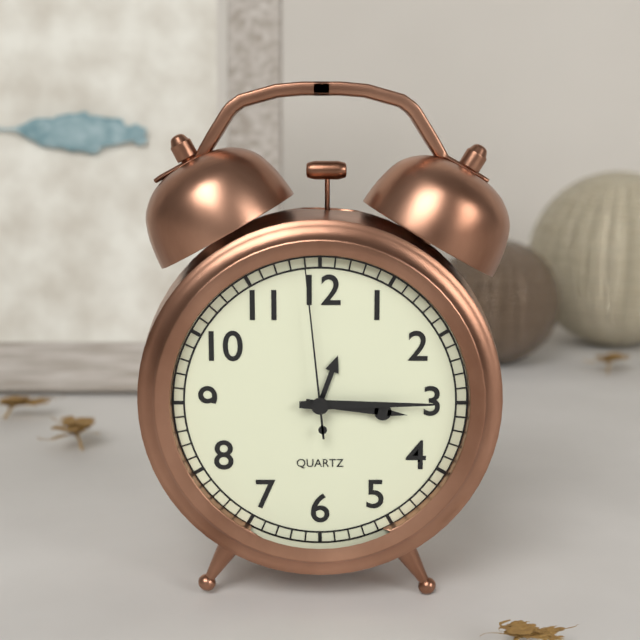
3:15:59
